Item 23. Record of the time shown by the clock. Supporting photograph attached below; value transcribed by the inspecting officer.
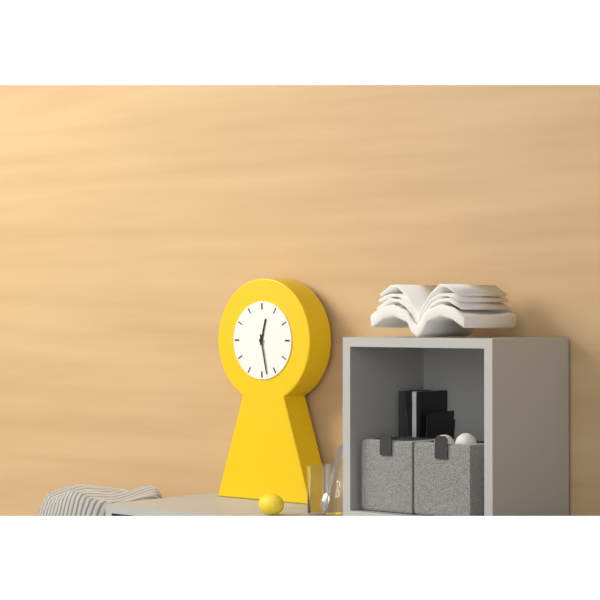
12:28
